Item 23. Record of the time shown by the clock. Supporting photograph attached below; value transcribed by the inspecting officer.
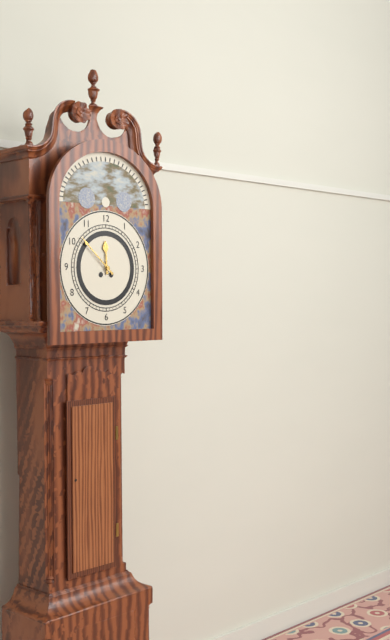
11:52
